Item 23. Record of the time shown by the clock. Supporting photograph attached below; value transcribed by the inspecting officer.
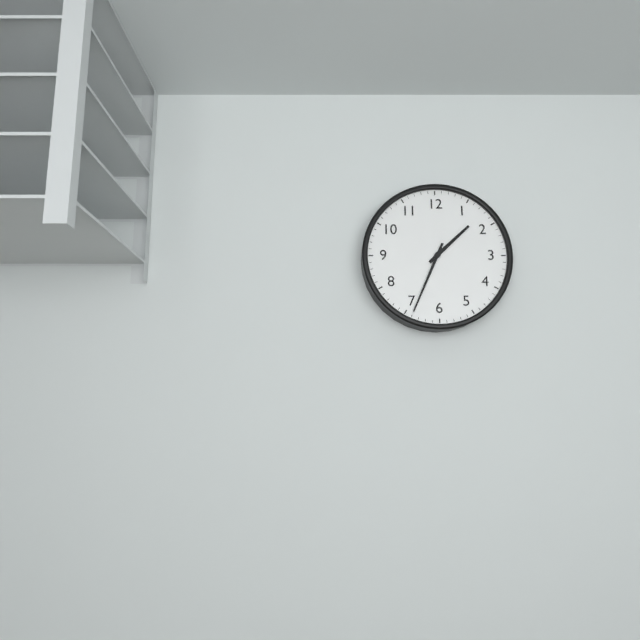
1:34
